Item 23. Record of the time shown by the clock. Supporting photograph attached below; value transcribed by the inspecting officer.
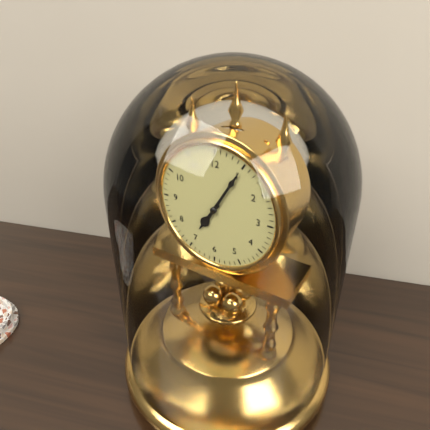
7:05
